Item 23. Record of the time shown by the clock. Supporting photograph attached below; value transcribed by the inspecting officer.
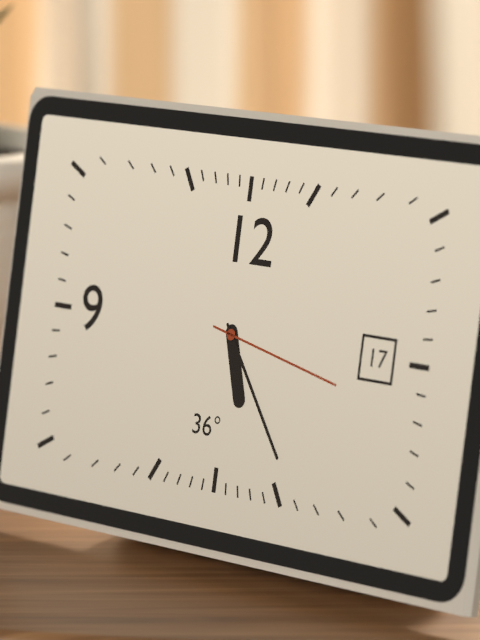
5:24:17
